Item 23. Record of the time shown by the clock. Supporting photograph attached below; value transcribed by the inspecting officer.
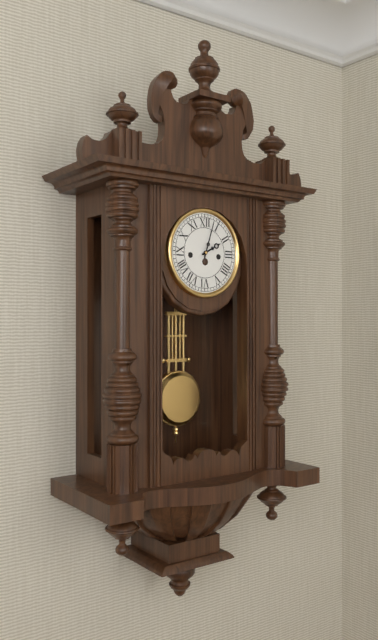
2:03
